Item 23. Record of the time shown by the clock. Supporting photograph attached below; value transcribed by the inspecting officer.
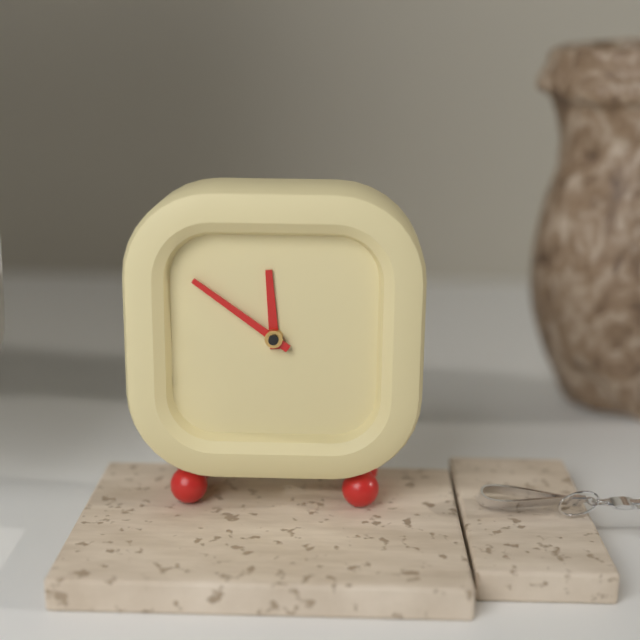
11:51
